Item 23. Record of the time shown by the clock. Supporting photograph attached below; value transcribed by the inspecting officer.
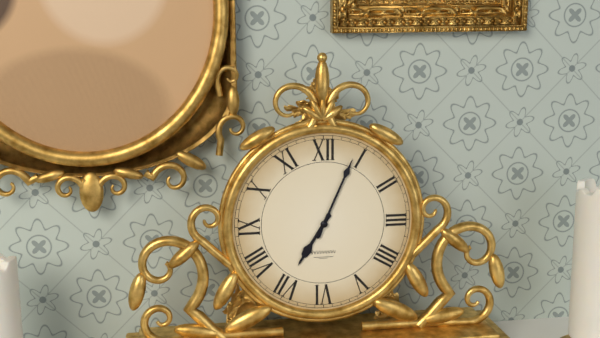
7:04
